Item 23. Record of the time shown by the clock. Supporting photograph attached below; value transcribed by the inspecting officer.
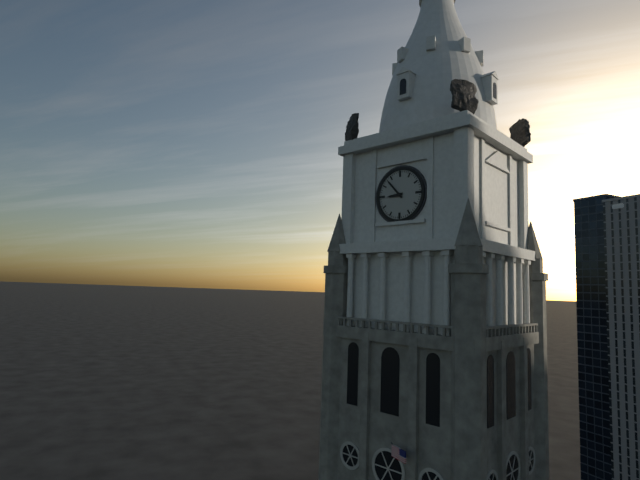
8:53
